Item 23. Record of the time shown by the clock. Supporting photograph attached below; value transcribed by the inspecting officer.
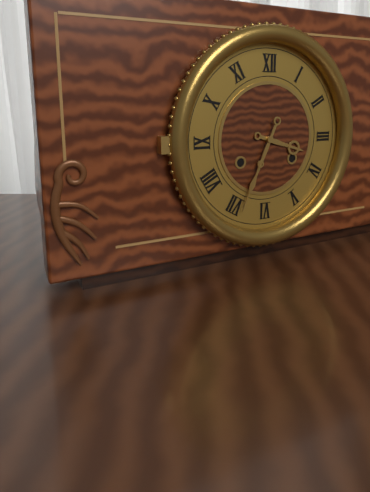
3:34
